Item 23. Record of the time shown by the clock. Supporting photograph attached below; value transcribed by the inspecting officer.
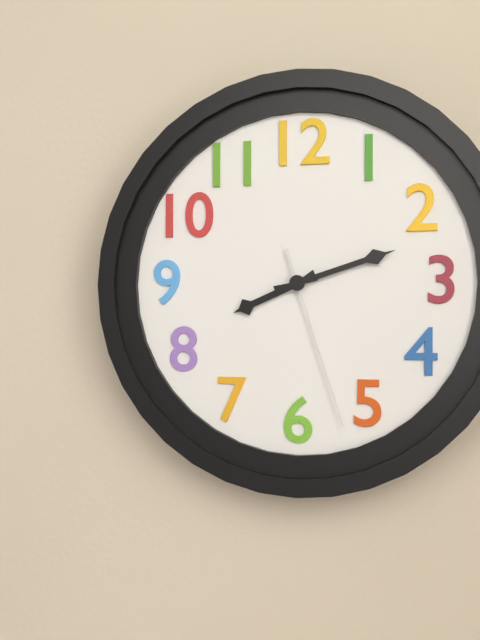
8:12:27
